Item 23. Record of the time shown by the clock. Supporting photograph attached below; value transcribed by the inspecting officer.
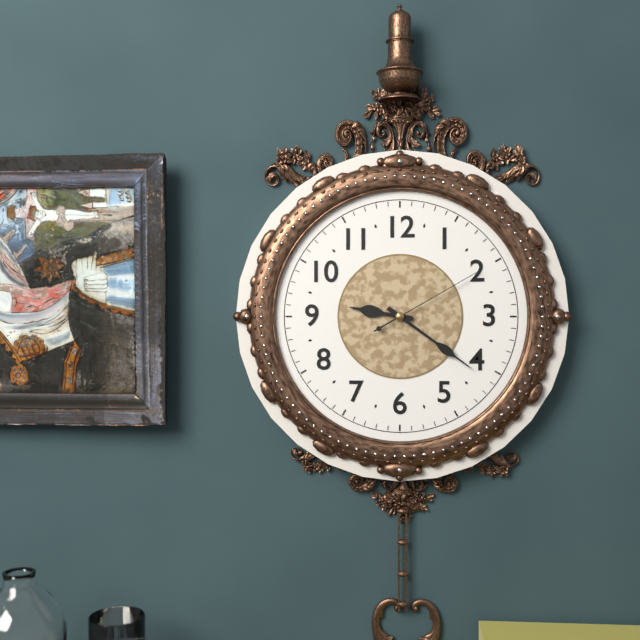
9:21:10
